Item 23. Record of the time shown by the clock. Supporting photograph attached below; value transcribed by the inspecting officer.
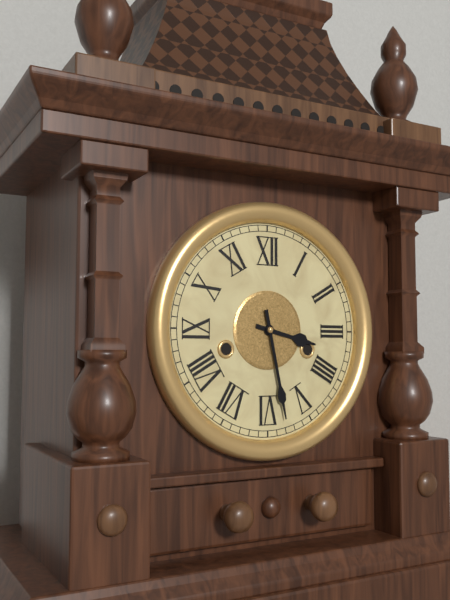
3:28
